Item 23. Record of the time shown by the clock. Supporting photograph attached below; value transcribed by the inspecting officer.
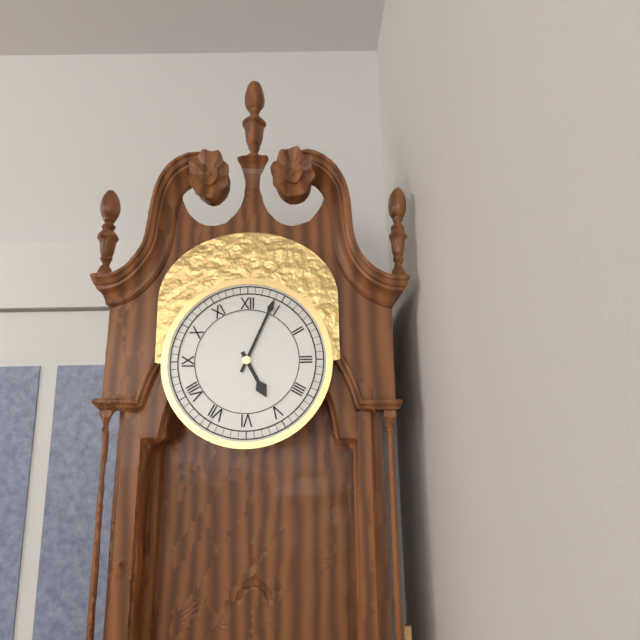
5:04
